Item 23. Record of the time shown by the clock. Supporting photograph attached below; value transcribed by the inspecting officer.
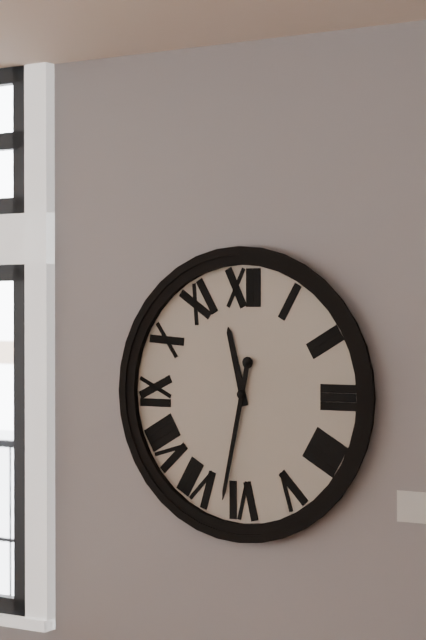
11:32
